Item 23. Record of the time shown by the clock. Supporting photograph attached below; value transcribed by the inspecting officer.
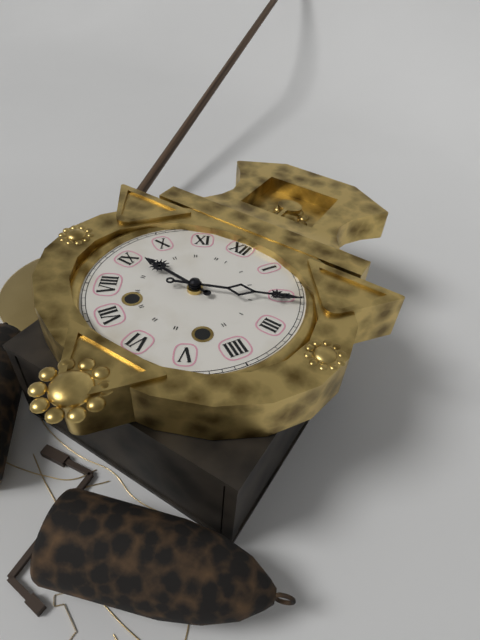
9:11
